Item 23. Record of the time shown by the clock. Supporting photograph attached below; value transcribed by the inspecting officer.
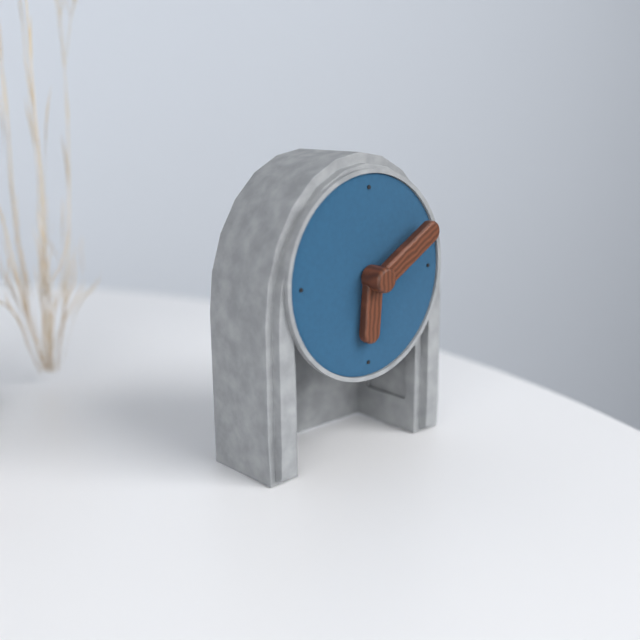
6:10
